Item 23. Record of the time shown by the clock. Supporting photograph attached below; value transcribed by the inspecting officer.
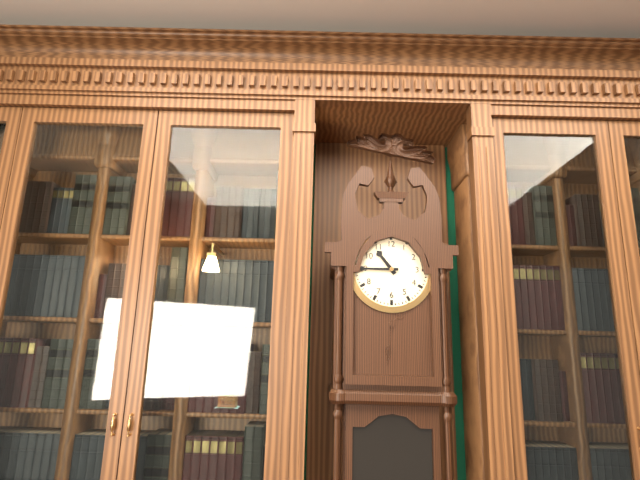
10:45
